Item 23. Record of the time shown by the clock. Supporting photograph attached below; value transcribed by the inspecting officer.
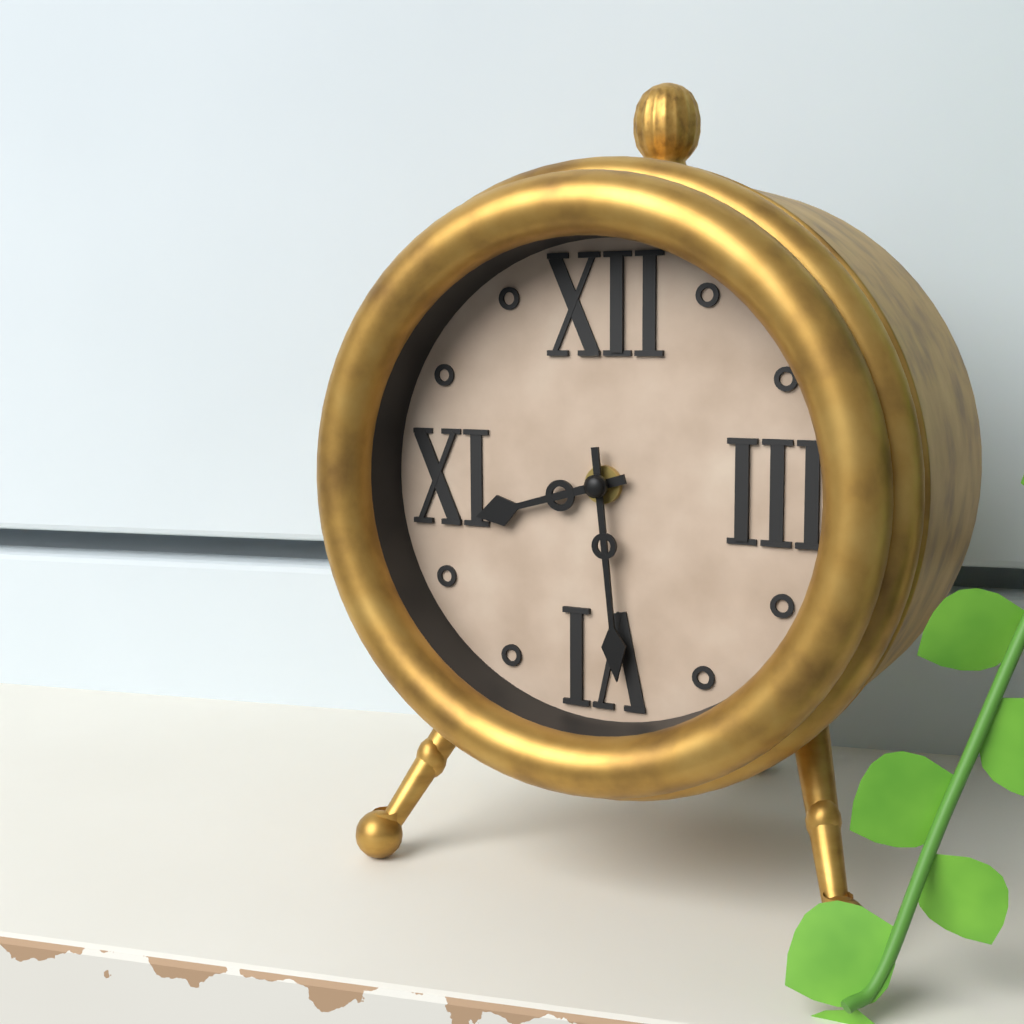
8:29
